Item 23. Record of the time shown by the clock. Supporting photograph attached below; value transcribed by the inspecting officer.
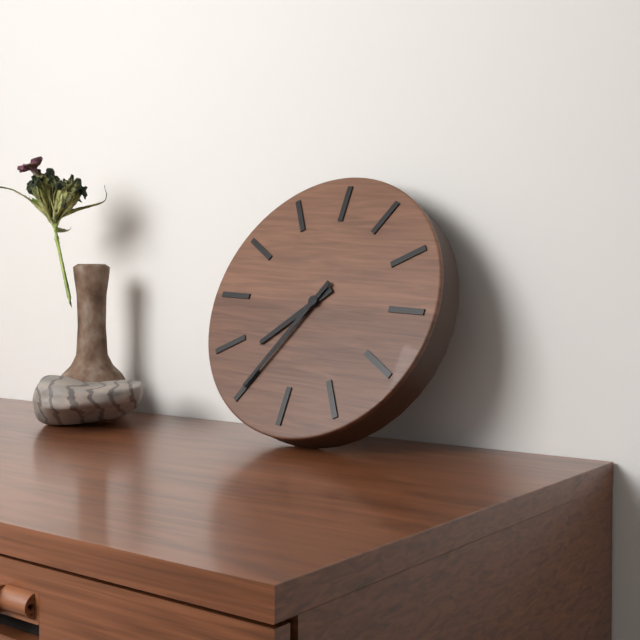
7:35
